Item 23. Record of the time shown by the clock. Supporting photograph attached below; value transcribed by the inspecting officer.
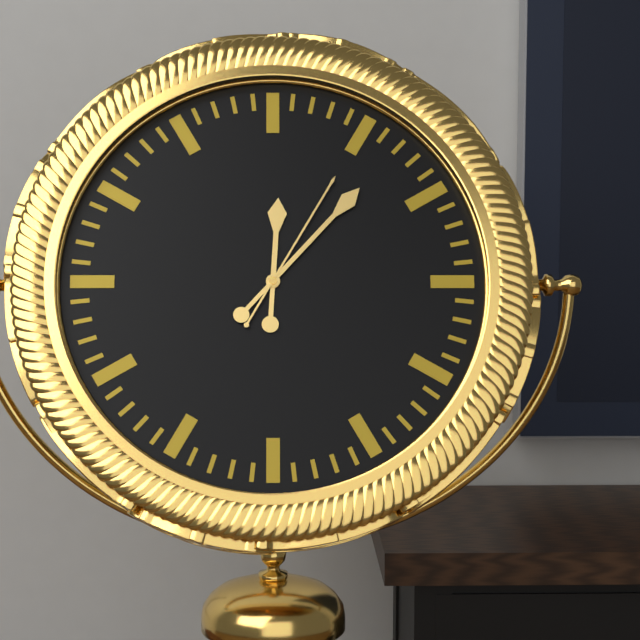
12:07:05
